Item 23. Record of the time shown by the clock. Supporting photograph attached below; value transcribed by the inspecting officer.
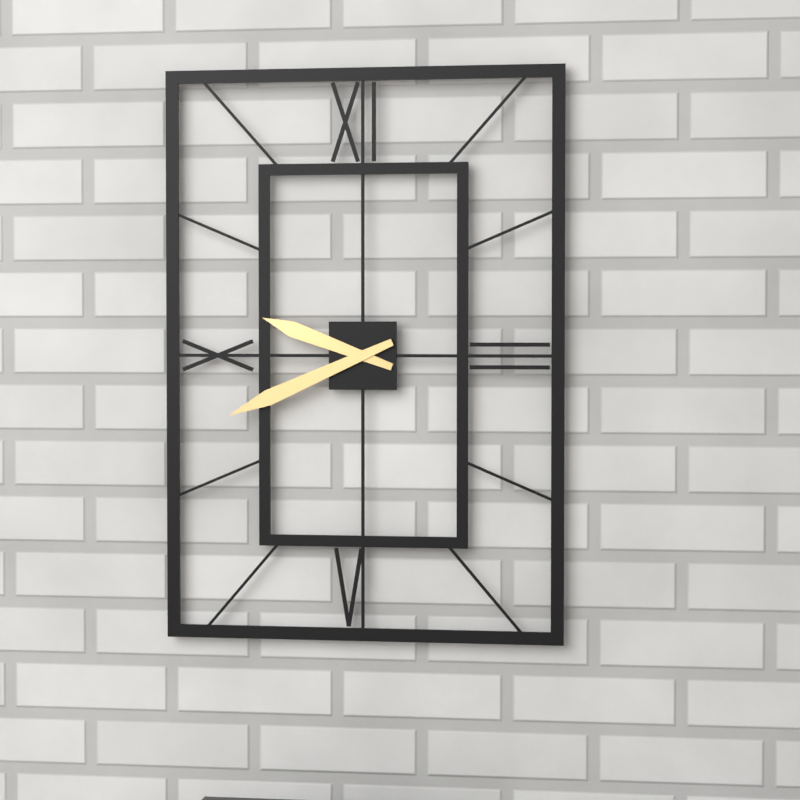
9:41
